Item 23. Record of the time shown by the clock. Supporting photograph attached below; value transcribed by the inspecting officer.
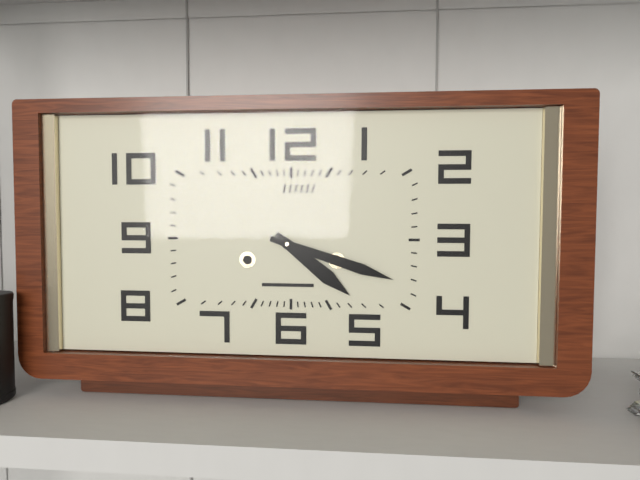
4:18
